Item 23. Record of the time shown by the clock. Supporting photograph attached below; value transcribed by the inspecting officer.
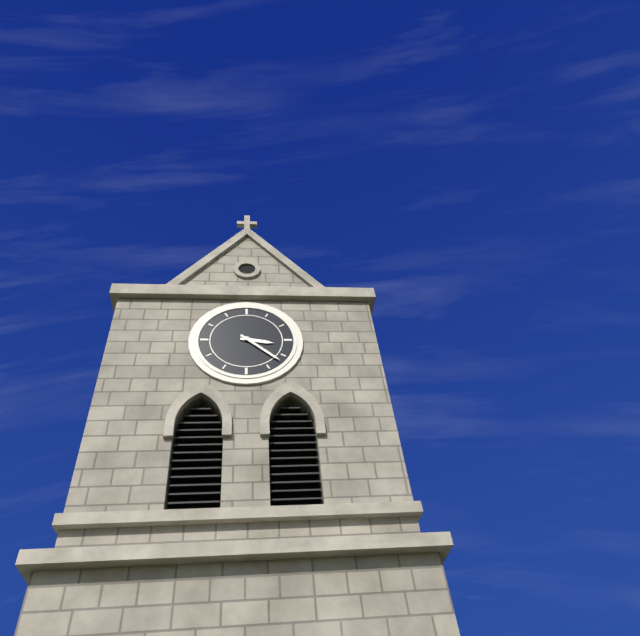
3:22
